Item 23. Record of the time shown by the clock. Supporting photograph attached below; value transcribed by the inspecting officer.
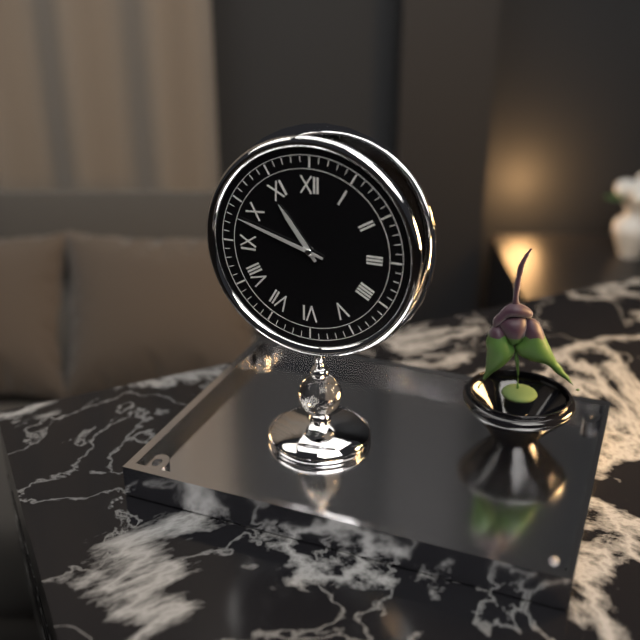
10:48
